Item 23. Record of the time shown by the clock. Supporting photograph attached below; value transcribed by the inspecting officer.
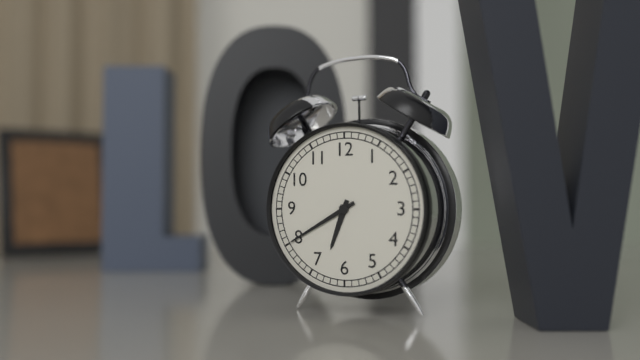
6:40
